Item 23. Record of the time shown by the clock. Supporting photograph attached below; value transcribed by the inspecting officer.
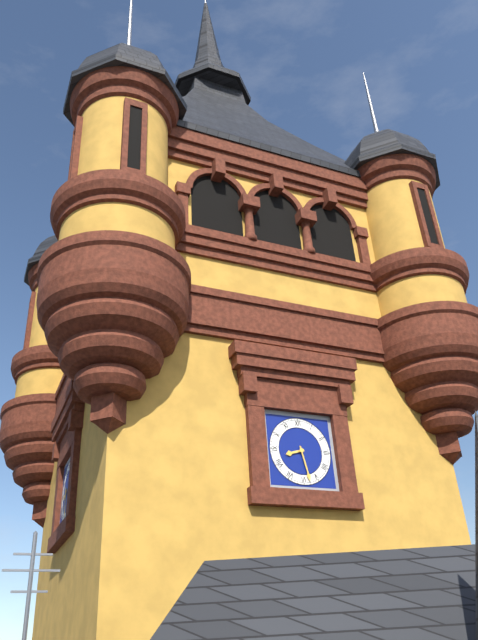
8:28
